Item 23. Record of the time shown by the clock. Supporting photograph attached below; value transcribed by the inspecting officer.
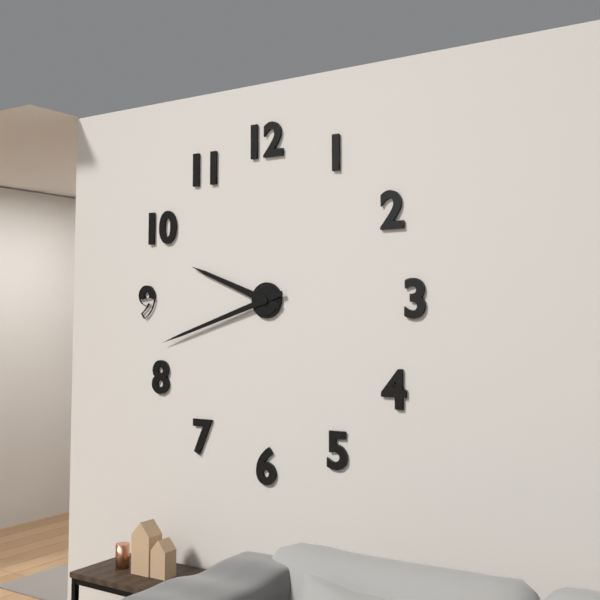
9:42
